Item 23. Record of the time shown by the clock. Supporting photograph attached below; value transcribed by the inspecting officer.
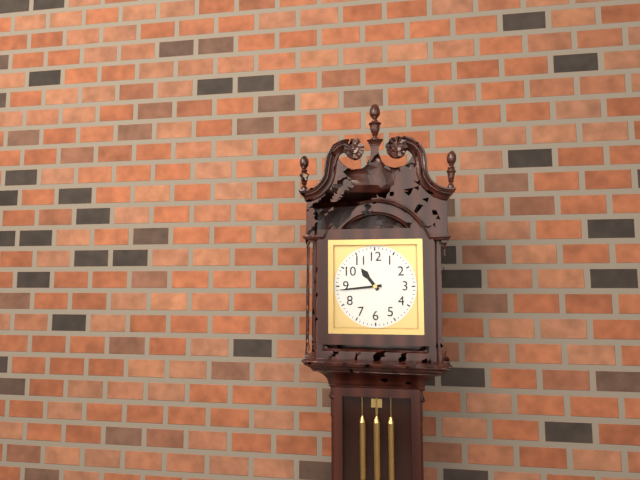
10:44
